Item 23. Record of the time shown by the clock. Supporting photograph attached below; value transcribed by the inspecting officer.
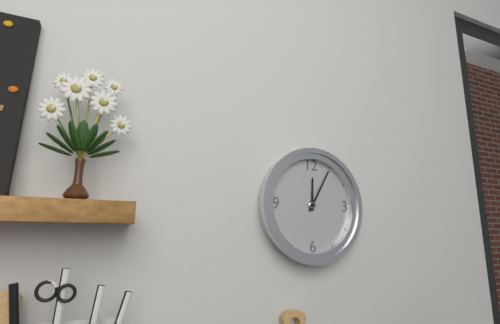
12:05
